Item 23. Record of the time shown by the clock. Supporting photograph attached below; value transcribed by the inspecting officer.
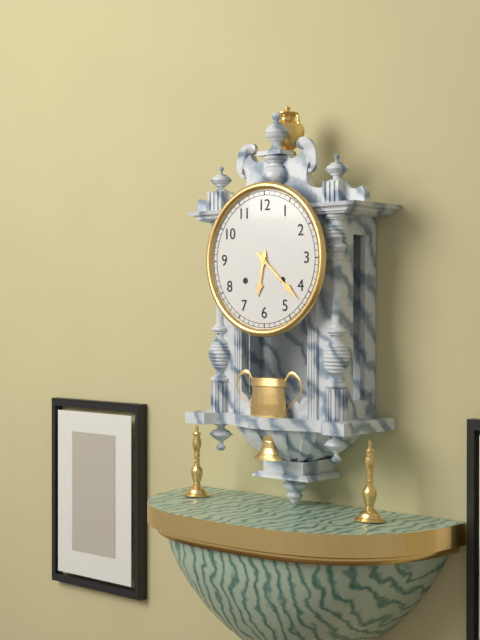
6:22
